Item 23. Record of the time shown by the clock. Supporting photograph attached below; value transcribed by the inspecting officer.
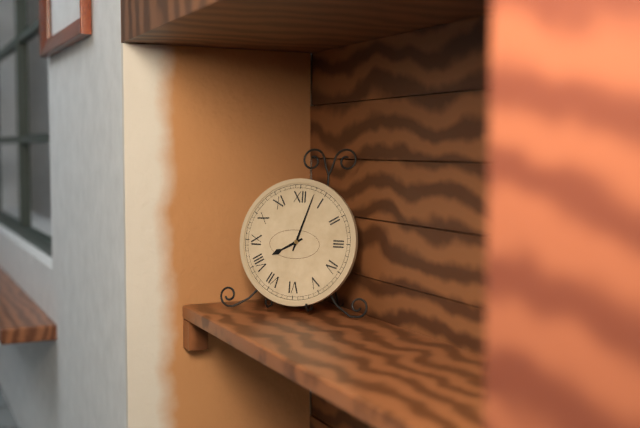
8:03
